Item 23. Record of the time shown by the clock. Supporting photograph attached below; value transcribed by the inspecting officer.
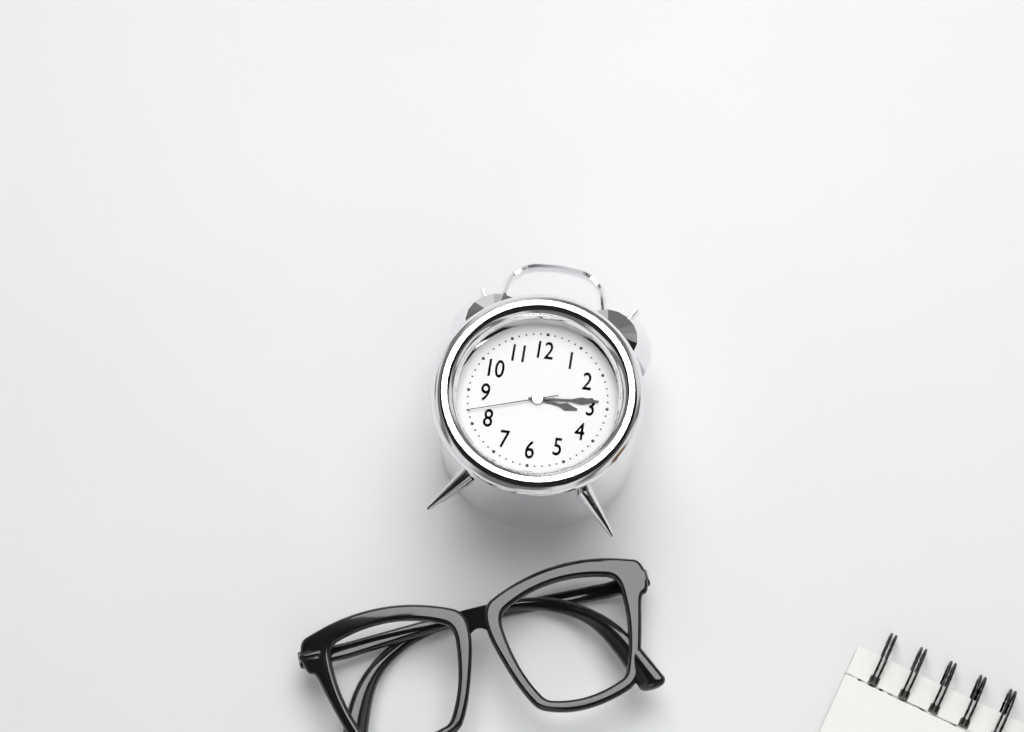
3:14:42
